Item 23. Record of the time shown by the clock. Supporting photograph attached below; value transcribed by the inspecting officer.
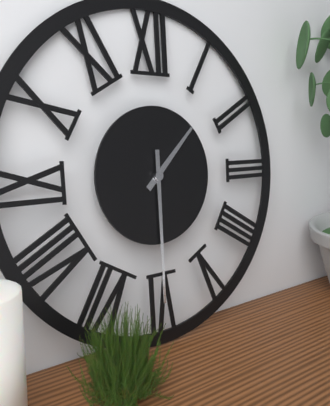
1:30
